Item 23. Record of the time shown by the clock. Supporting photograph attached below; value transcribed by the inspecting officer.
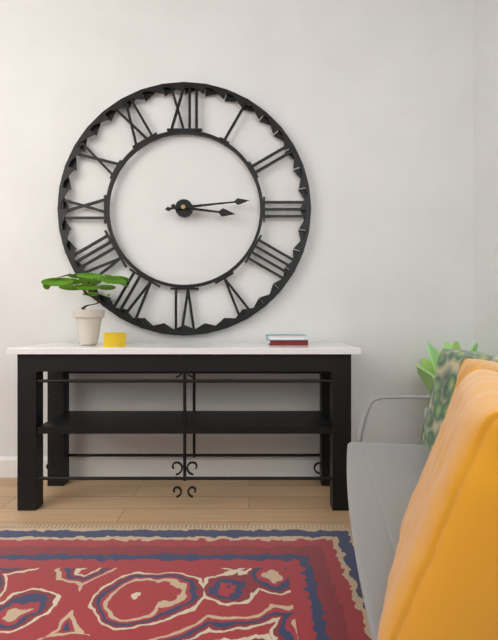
3:14
